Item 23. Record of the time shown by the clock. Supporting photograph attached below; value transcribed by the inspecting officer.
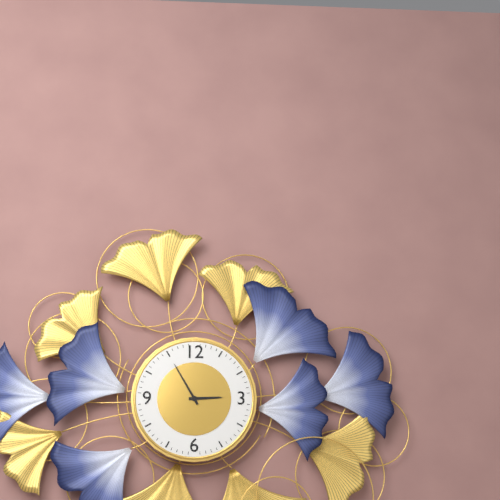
2:55
